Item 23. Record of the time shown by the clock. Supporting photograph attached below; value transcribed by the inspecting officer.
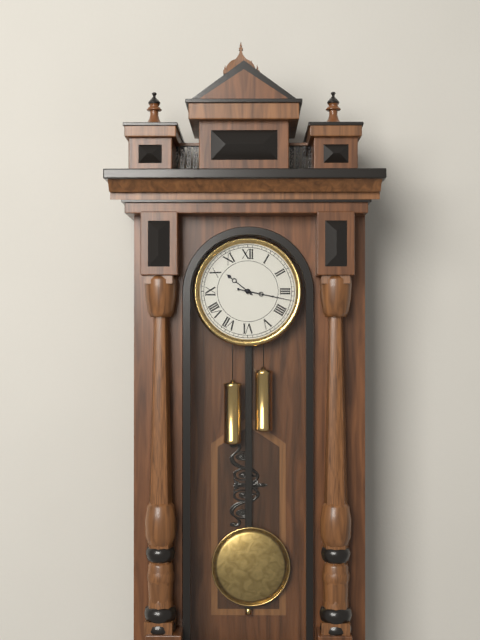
10:17
